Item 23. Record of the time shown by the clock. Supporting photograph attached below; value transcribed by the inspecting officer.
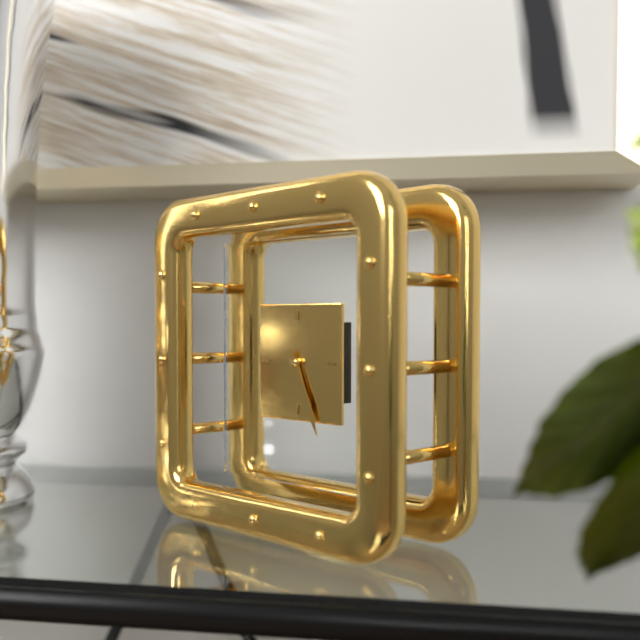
5:26
